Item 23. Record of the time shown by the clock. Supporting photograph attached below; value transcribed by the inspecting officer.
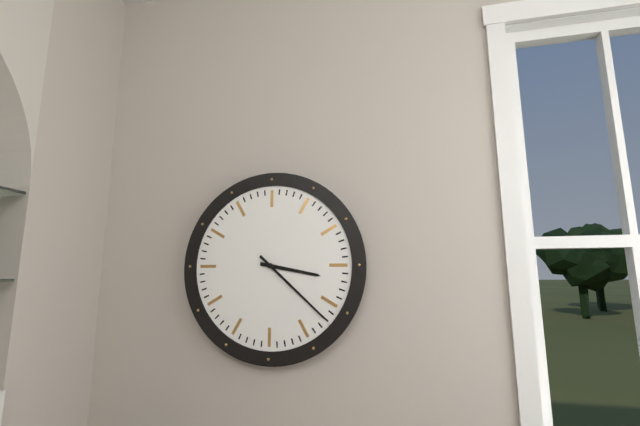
3:22
